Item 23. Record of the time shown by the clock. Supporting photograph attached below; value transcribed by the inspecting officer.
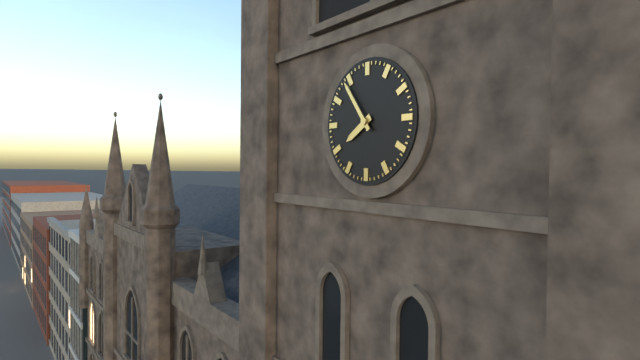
7:54
